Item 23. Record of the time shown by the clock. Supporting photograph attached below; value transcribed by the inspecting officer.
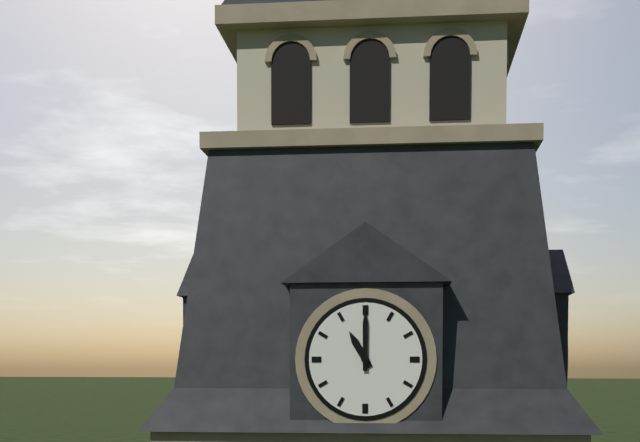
11:00
